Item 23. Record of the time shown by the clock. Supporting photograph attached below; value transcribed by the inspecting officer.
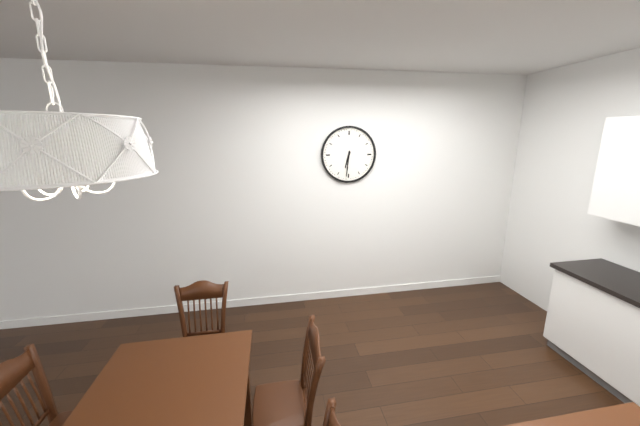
6:31
